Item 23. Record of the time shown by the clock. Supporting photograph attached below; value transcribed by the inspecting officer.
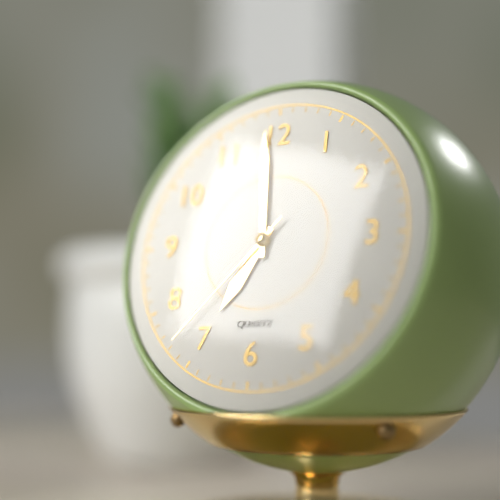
6:59:37
